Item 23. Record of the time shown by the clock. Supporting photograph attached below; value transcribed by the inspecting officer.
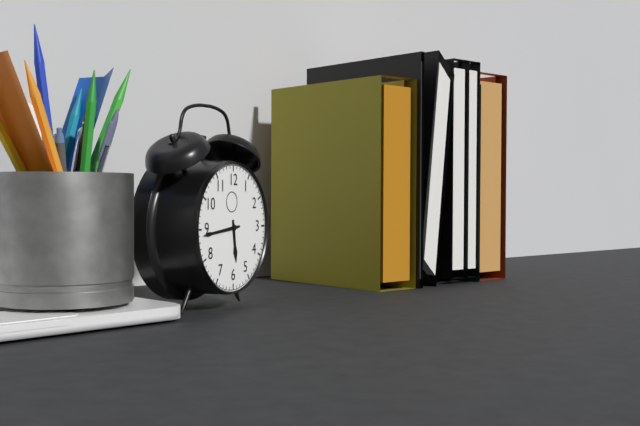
5:44
